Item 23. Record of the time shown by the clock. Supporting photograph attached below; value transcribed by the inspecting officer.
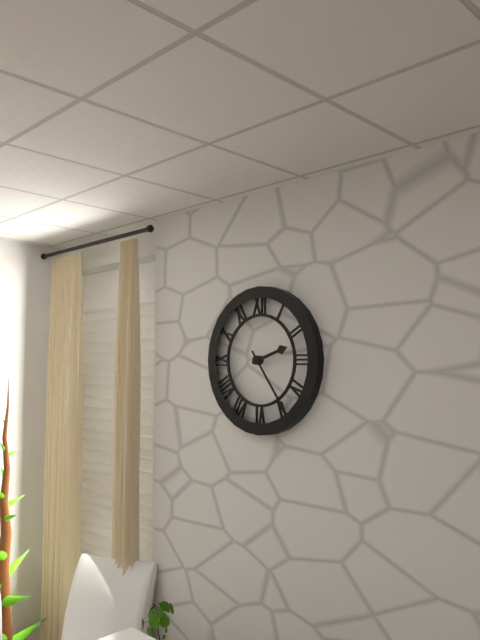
2:24
